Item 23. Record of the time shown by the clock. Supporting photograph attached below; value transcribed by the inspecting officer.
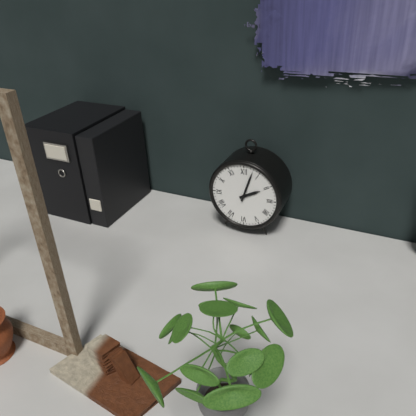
2:03
